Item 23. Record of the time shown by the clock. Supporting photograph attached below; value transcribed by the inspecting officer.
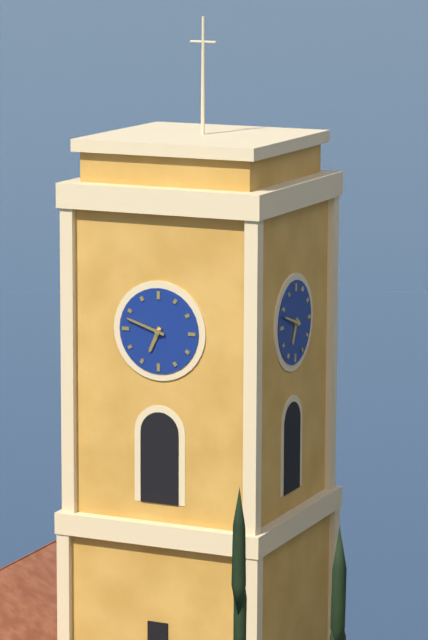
6:48
